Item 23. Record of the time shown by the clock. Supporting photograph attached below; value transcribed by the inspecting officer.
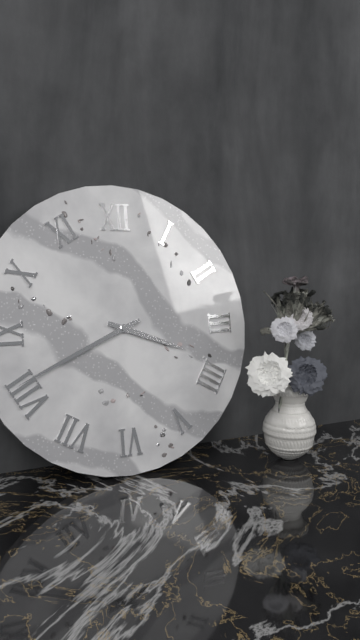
3:41
